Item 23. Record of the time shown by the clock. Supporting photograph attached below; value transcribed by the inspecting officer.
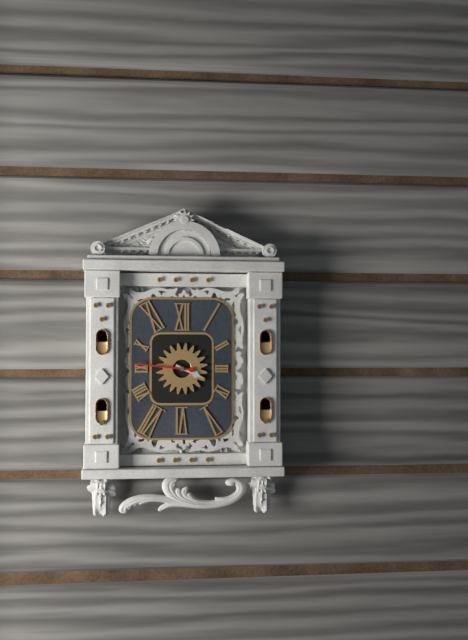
3:46
